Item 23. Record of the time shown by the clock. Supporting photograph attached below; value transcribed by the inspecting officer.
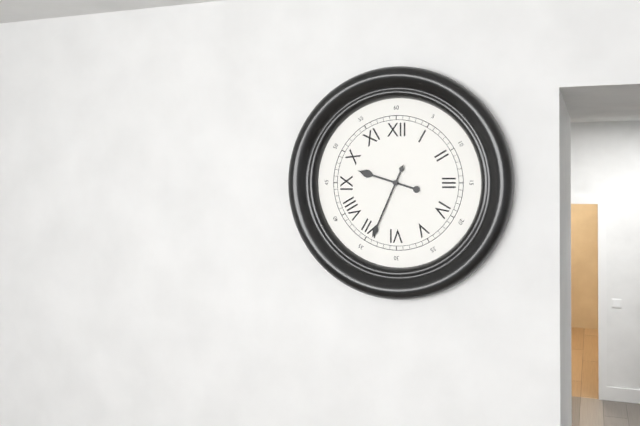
9:34
